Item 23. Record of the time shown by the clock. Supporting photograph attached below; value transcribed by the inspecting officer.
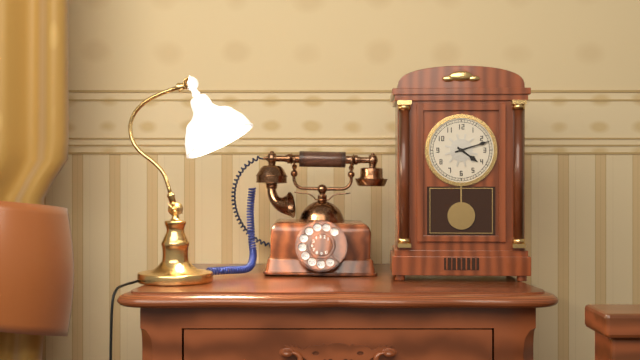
4:12
